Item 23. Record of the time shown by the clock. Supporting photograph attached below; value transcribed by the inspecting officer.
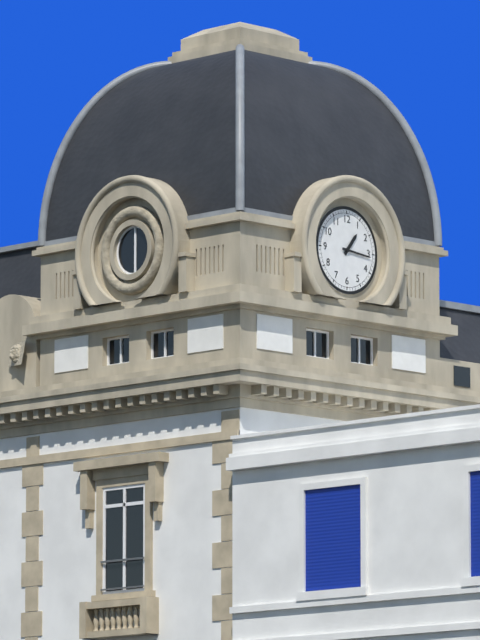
1:16
